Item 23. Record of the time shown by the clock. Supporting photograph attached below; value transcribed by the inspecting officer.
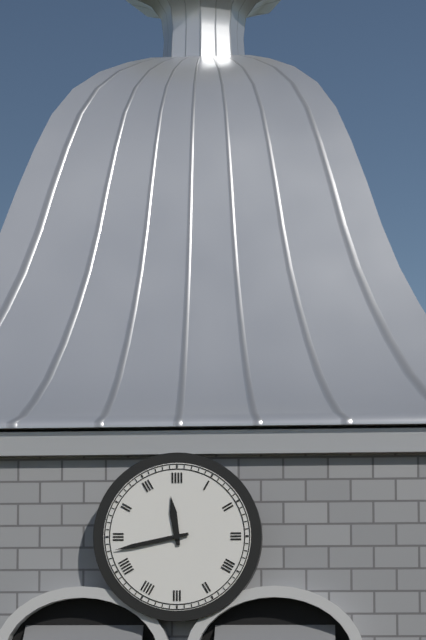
11:43
